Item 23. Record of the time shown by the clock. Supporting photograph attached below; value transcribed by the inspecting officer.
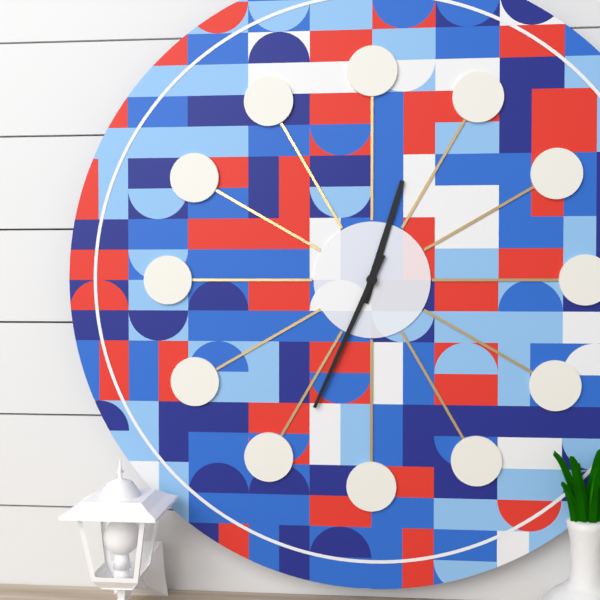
12:34
